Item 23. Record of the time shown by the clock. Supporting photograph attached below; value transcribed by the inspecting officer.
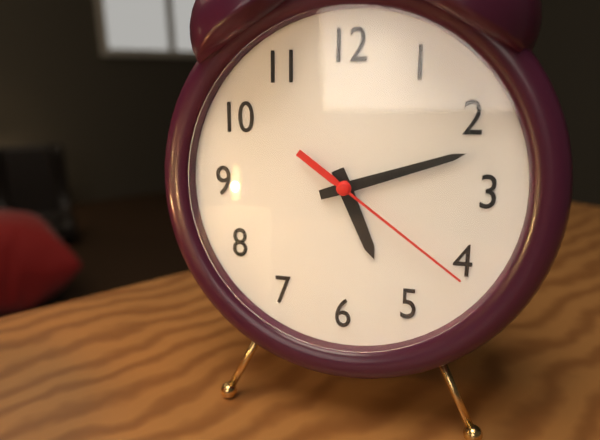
5:12:21
